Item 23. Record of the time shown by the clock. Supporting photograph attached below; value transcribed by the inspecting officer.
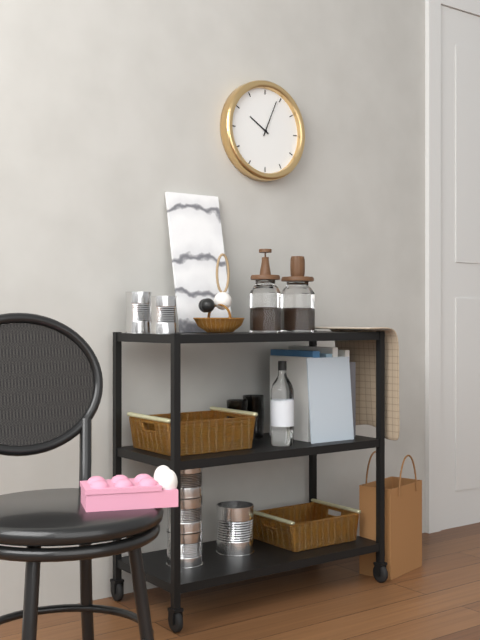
10:04
